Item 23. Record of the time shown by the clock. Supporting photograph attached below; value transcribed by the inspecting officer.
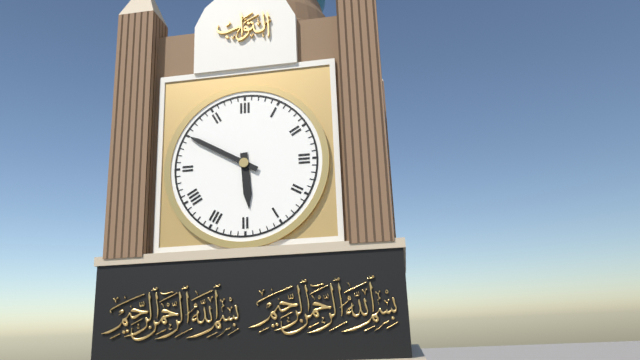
5:50
